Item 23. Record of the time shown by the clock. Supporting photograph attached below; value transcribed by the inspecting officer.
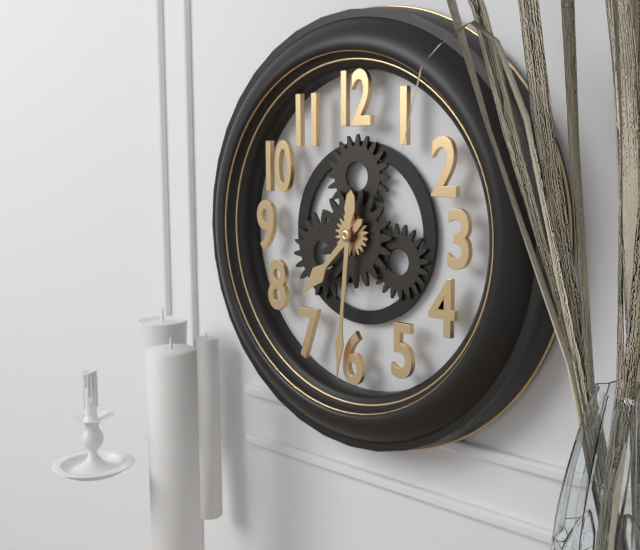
7:31
